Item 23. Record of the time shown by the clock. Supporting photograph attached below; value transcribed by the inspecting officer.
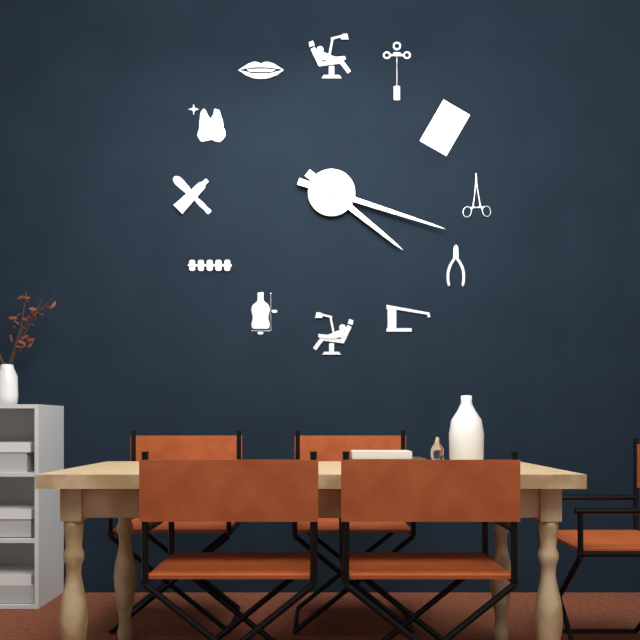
4:18
